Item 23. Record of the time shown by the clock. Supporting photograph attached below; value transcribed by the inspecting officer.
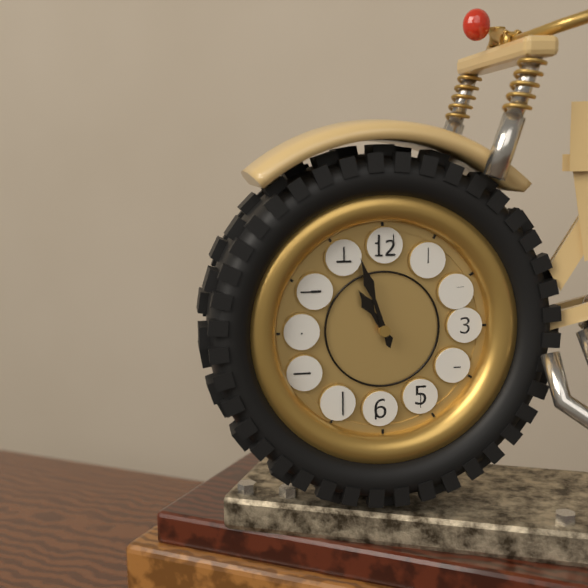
10:57
